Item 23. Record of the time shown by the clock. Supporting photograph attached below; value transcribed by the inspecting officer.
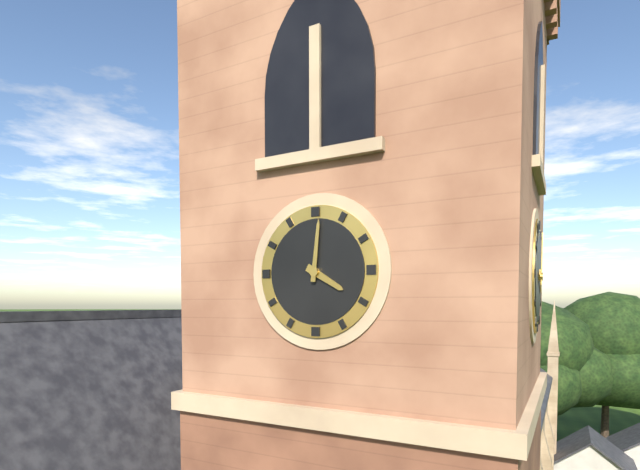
4:01
